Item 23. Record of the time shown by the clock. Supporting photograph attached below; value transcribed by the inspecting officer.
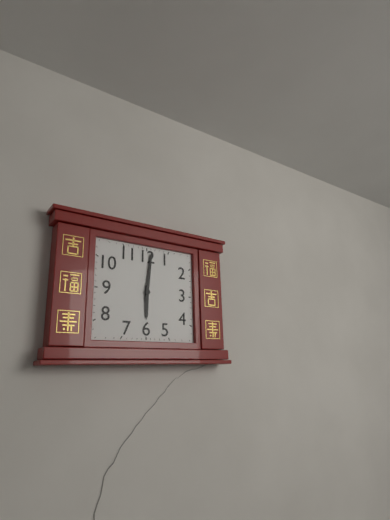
6:01
